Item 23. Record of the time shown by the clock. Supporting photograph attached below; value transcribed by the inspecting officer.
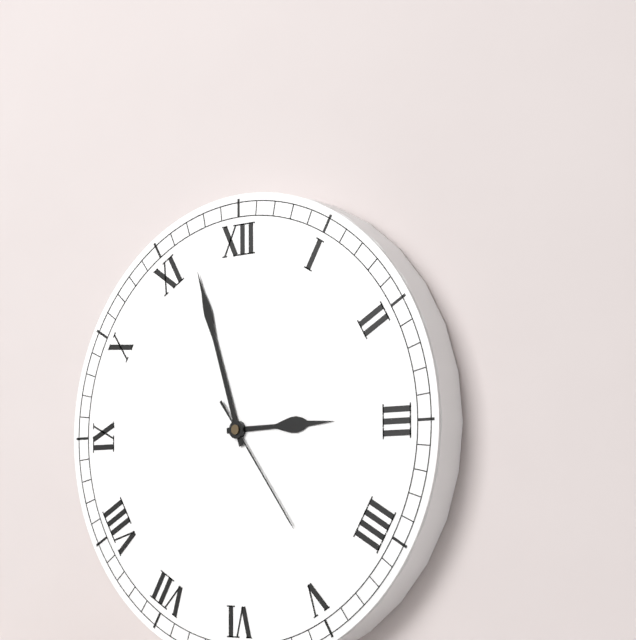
2:57:24
